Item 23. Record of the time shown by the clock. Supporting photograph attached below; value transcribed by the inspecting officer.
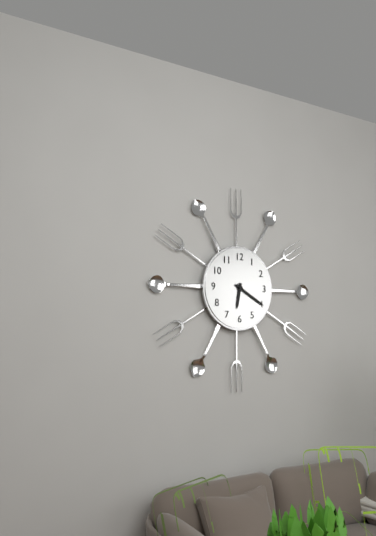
6:20
